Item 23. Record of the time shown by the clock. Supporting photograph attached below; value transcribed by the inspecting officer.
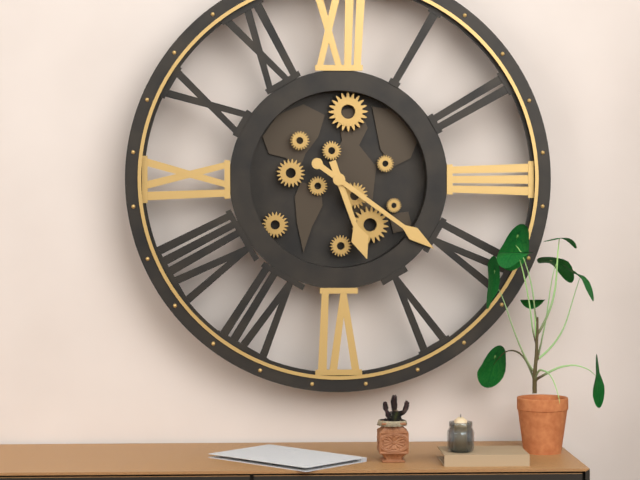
5:21
